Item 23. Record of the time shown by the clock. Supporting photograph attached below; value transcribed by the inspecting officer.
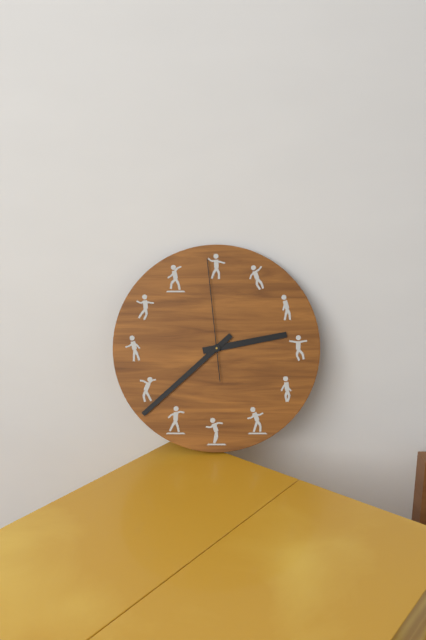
2:38:59
